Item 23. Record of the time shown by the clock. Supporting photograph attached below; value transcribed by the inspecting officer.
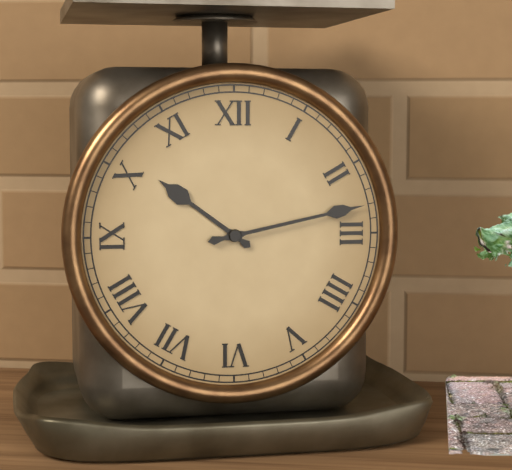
10:13
